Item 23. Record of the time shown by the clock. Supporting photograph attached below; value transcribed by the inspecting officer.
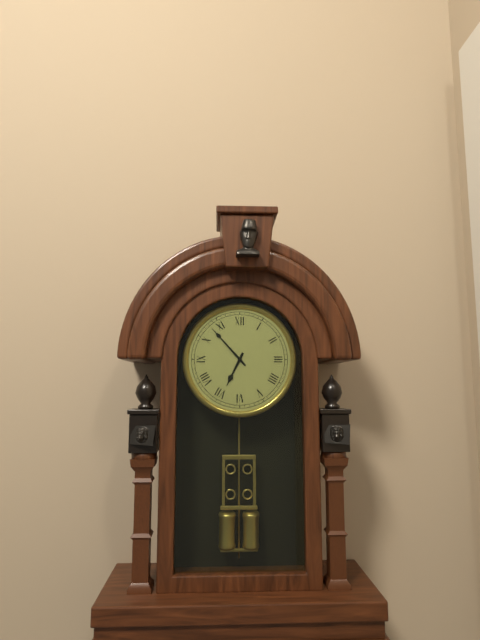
6:53
